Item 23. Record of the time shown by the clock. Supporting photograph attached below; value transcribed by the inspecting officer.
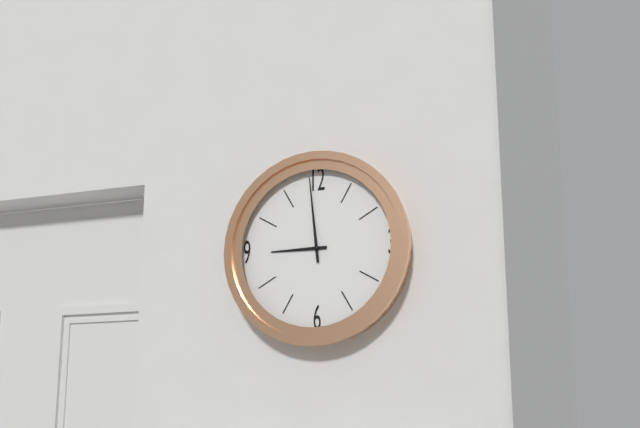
8:59
